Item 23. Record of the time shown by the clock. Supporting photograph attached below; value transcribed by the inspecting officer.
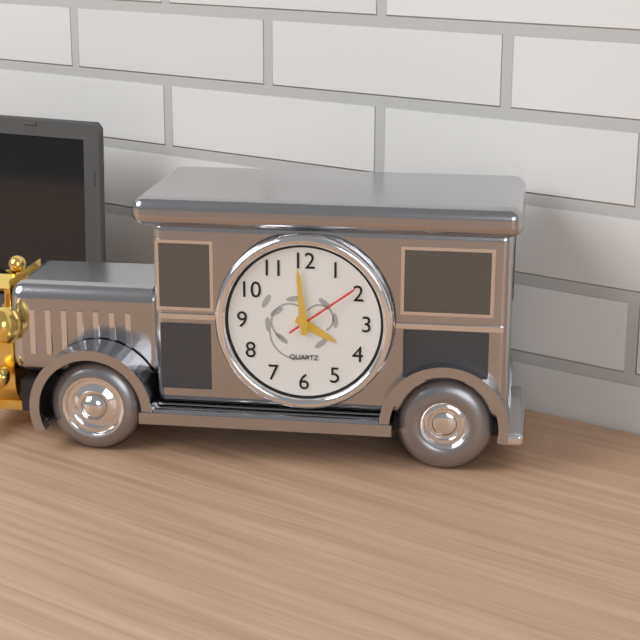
3:59:09
